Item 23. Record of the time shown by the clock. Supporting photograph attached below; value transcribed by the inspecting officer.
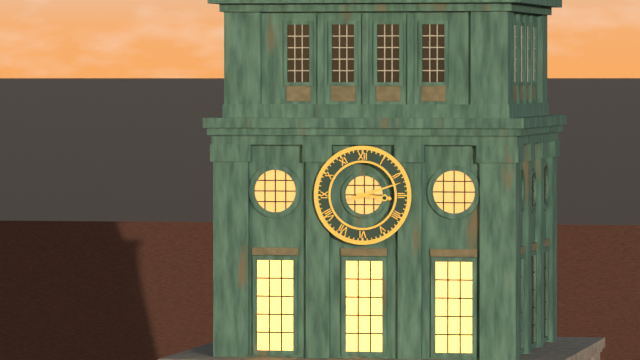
3:12
